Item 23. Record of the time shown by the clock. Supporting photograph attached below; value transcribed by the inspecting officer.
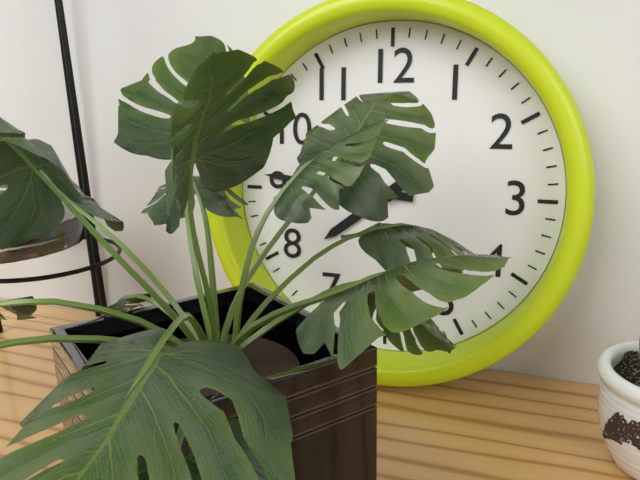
7:46
